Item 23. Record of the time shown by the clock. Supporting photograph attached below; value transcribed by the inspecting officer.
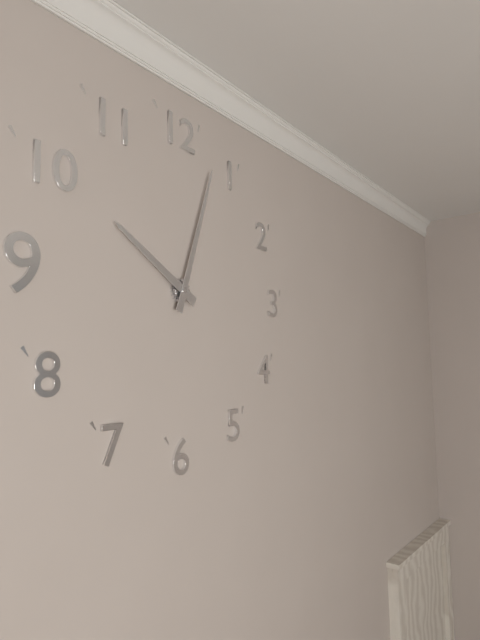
10:03
